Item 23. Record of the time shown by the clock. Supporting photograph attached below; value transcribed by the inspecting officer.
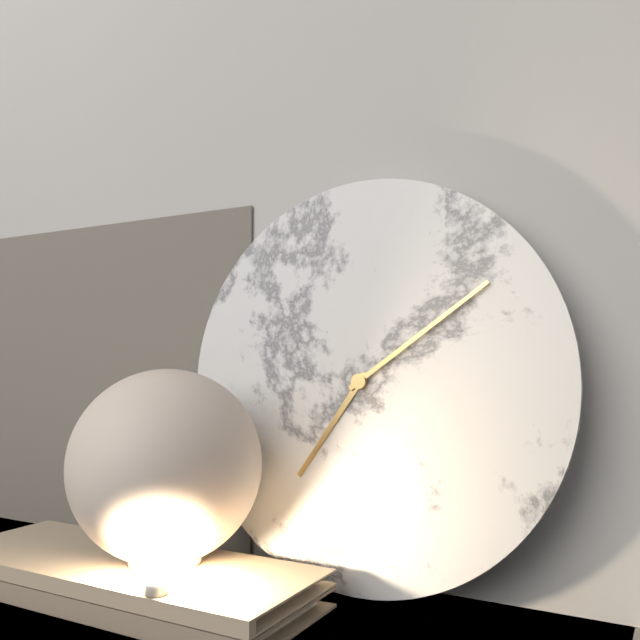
7:09
